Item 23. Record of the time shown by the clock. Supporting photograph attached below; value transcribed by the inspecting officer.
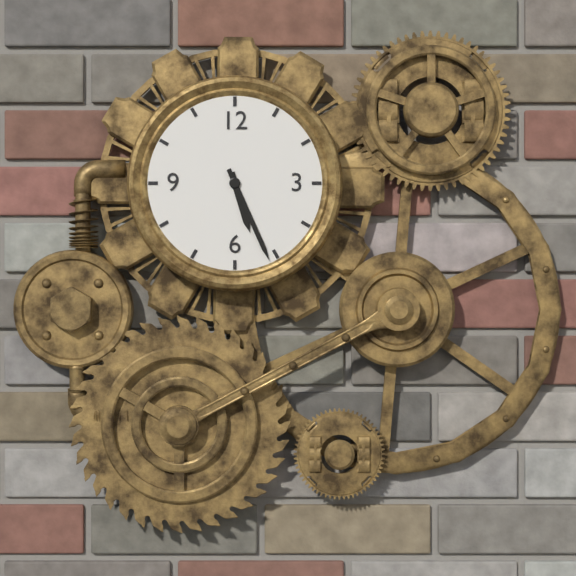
5:26
